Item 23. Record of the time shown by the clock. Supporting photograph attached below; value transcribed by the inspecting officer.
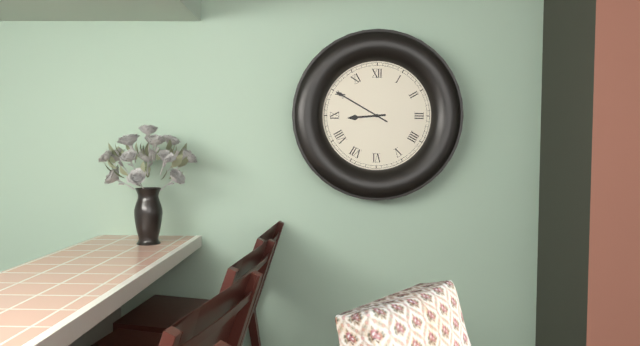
8:50
